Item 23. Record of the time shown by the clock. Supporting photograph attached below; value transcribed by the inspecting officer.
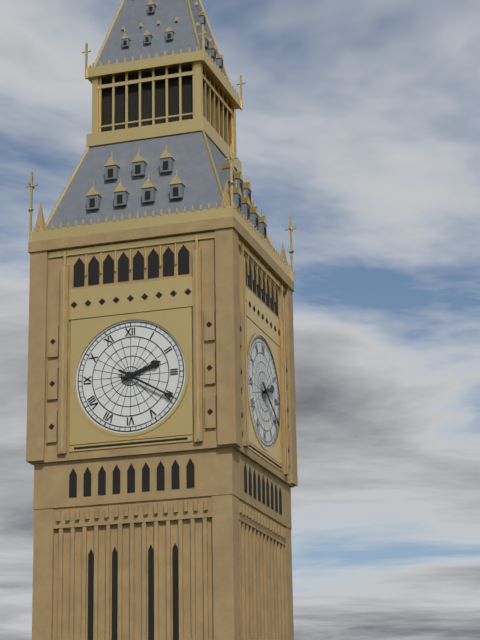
2:20
